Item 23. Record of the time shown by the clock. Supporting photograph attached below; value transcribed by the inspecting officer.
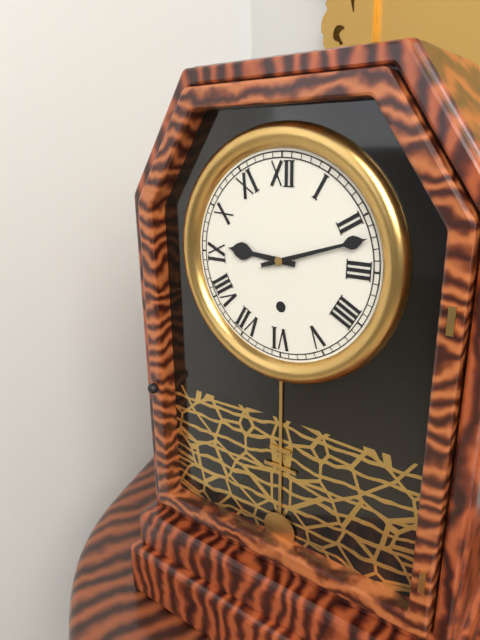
9:12
